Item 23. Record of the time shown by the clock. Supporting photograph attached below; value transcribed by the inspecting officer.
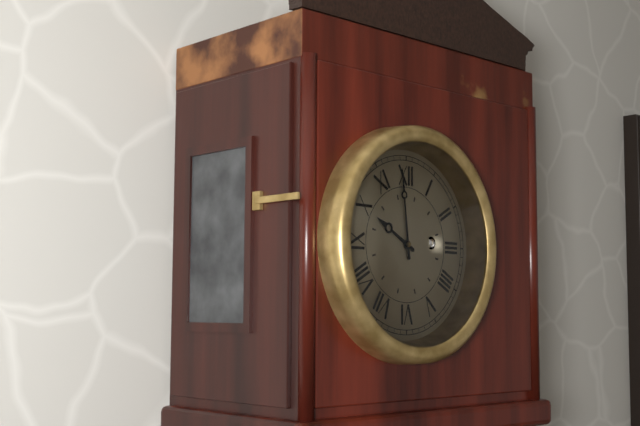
9:59
